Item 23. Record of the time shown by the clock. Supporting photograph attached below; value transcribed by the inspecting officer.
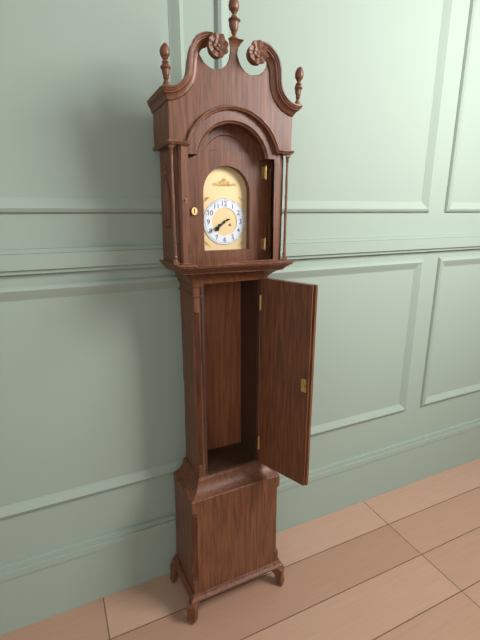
7:40
